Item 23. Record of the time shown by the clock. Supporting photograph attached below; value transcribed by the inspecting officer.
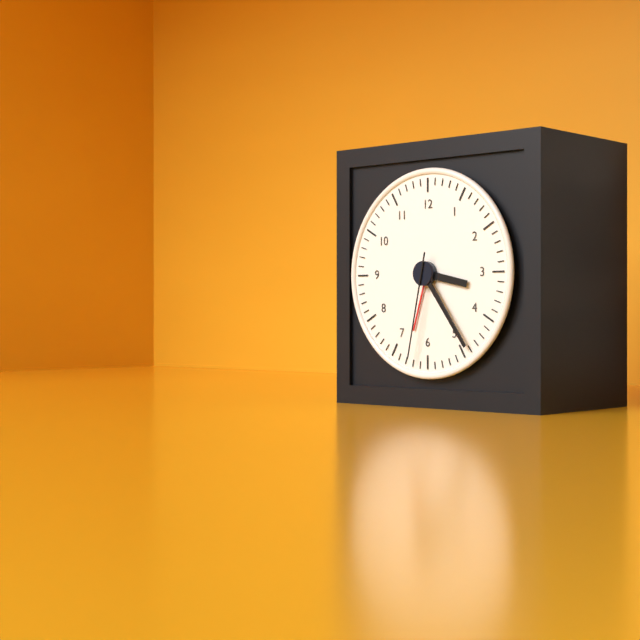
3:24:32
